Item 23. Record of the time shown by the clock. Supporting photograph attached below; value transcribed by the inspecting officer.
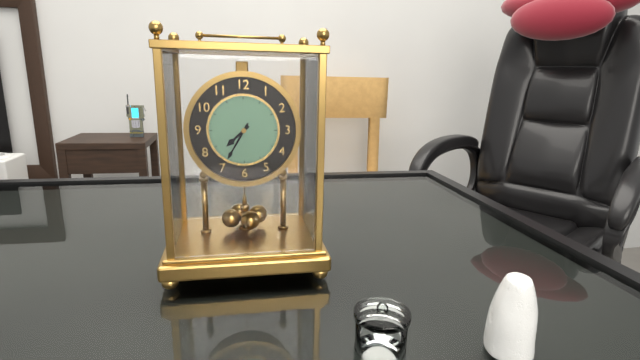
7:35
